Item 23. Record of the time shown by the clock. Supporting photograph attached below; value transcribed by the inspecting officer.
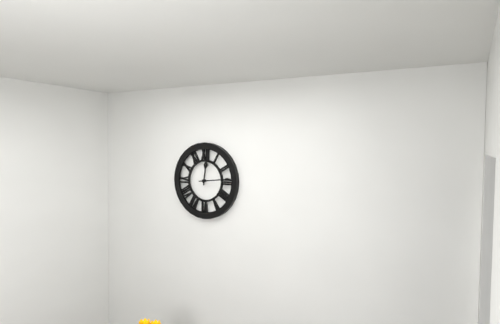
12:14
